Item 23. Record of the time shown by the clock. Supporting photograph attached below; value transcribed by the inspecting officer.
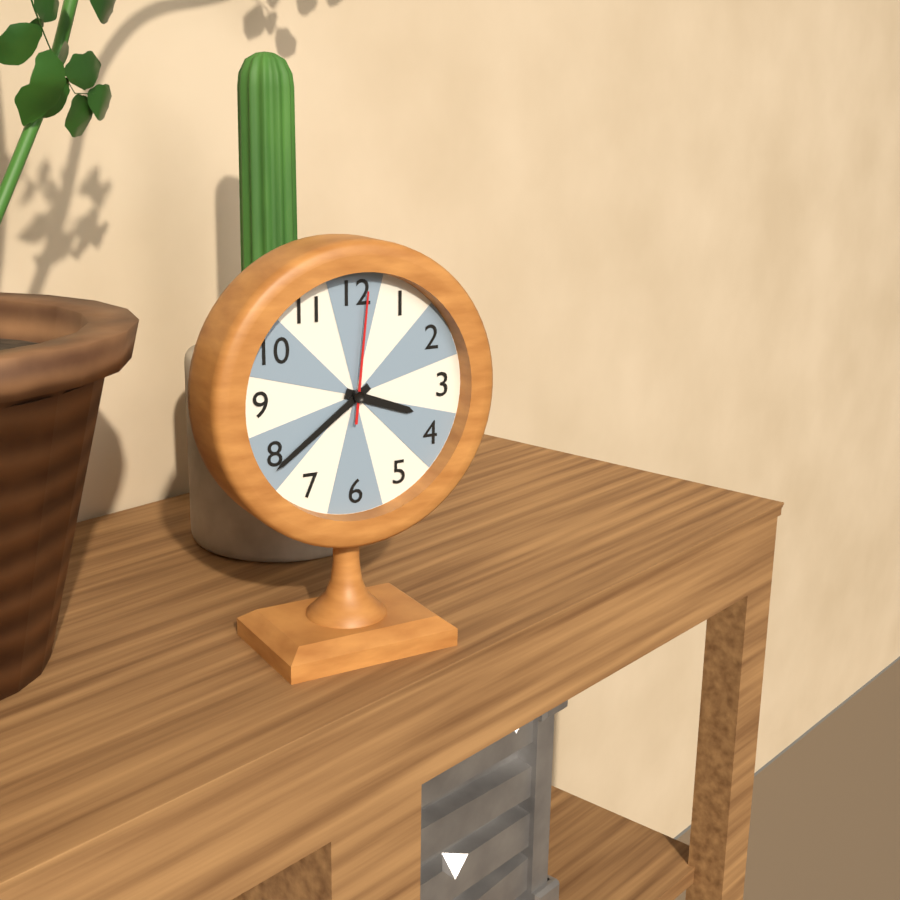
3:39:01
